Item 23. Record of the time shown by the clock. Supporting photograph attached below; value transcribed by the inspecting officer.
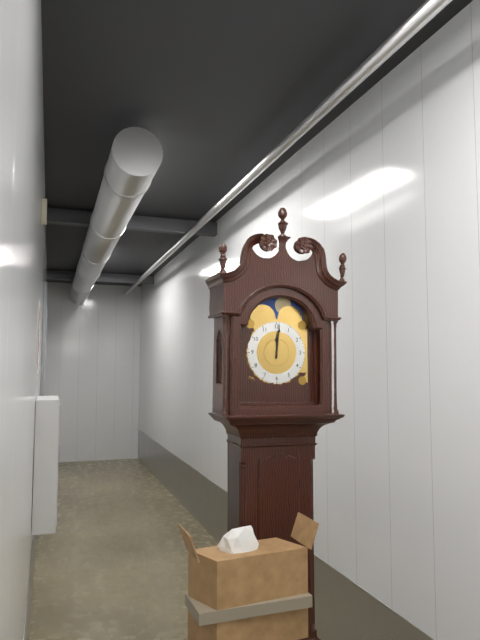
12:01
